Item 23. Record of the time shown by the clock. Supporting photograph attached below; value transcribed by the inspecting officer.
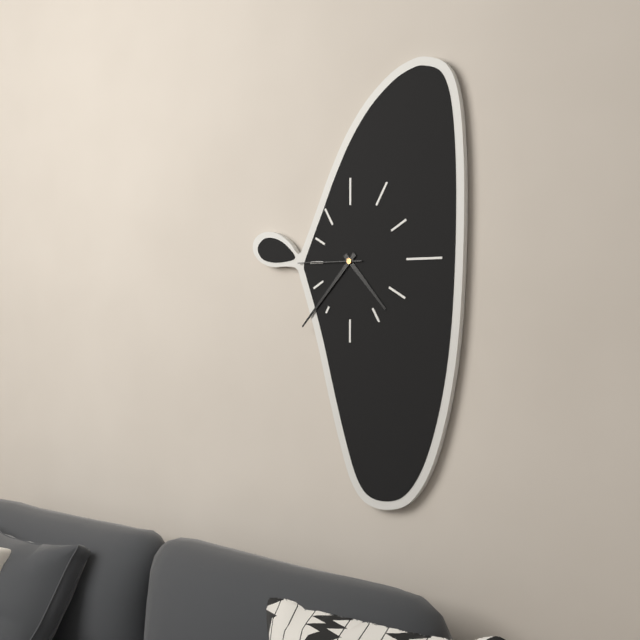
4:37:45
